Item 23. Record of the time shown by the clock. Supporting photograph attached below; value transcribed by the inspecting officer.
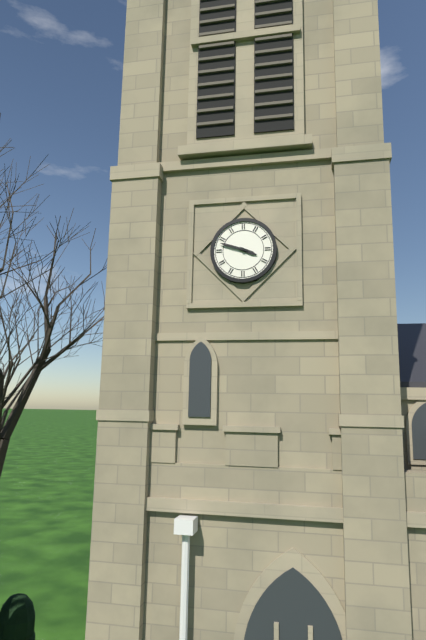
3:48
